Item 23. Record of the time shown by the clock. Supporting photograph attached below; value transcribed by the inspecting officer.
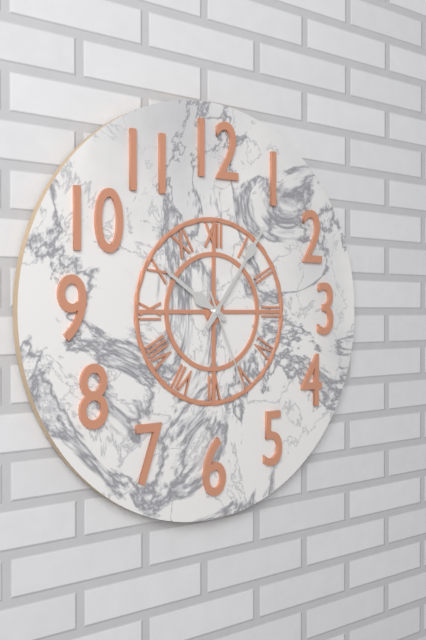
10:06:26
